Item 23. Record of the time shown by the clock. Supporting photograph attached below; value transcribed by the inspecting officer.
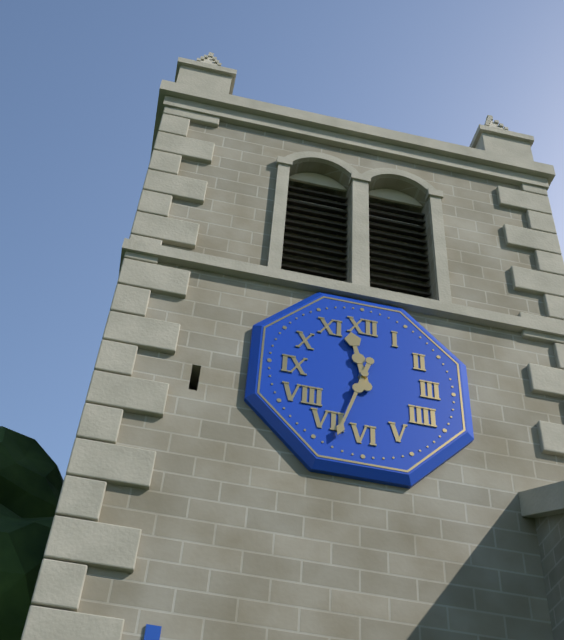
11:33
